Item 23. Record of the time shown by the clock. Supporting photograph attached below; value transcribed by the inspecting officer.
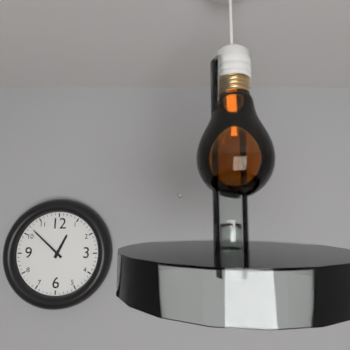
12:52
